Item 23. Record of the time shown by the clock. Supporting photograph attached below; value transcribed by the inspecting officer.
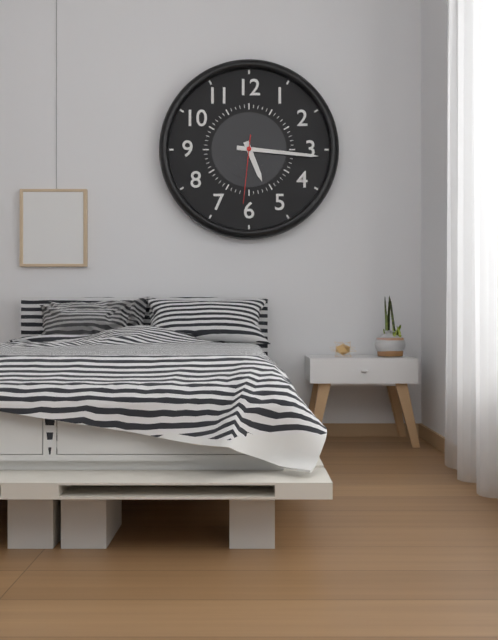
5:16:31
